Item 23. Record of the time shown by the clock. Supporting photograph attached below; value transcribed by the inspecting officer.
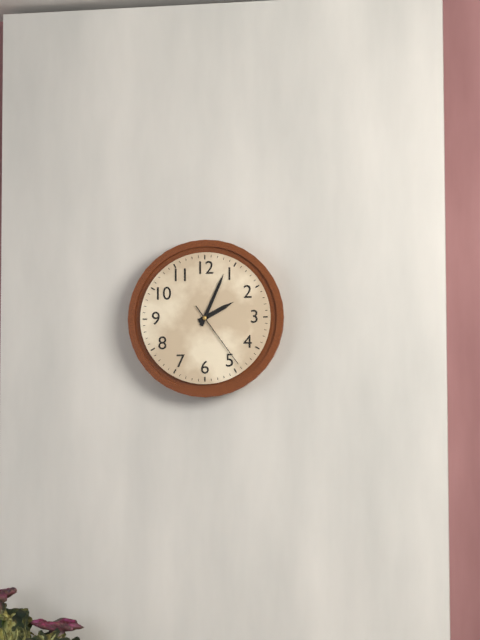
2:04:24
